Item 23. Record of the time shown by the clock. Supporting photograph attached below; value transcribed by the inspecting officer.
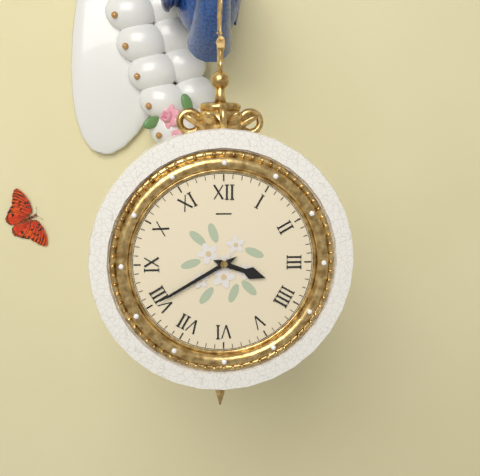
3:40
